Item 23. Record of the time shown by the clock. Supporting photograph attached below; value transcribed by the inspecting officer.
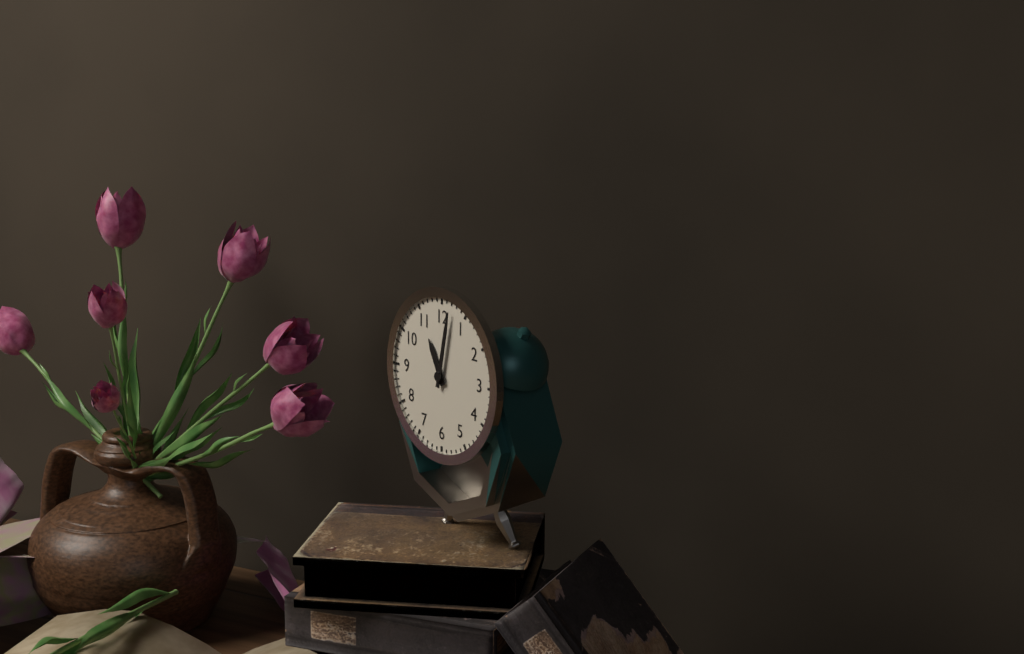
11:02
